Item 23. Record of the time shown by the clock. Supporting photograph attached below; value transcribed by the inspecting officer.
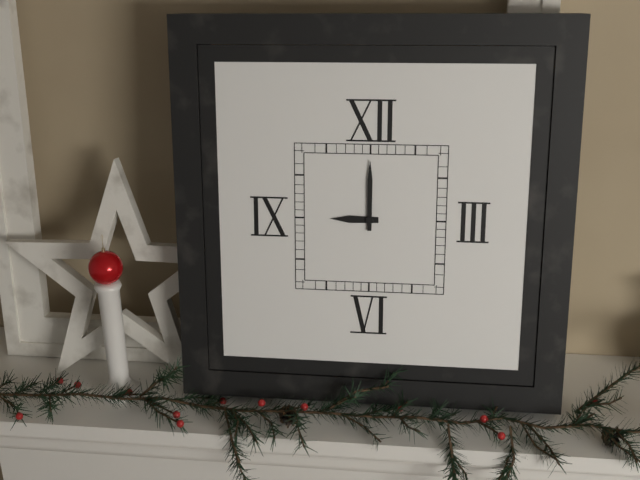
9:00
